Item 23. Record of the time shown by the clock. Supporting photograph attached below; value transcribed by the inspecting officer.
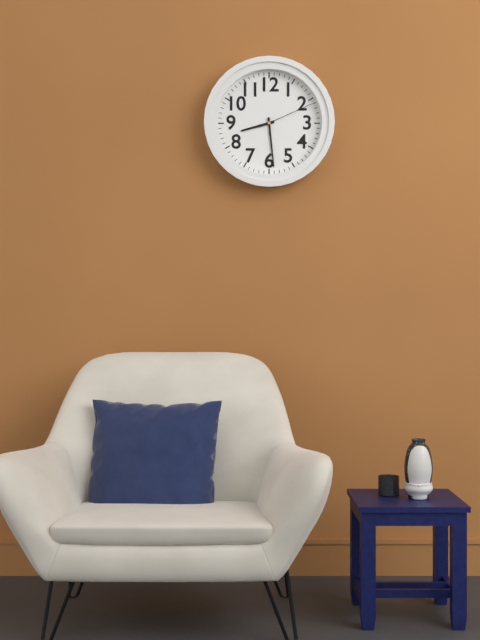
8:29:11
